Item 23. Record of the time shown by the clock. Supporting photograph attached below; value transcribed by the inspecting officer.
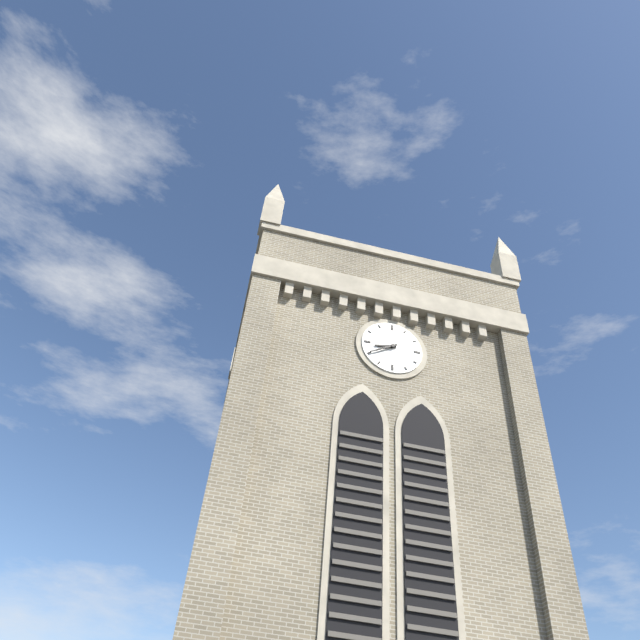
8:40
